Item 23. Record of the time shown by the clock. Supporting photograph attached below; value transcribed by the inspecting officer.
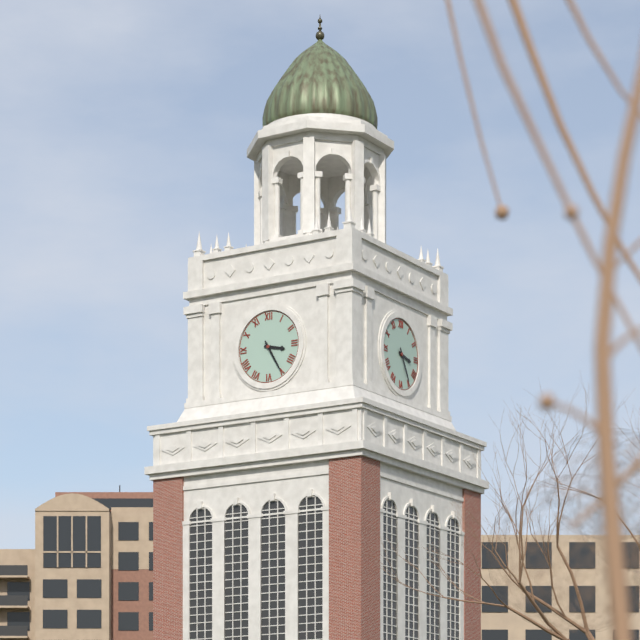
3:25
